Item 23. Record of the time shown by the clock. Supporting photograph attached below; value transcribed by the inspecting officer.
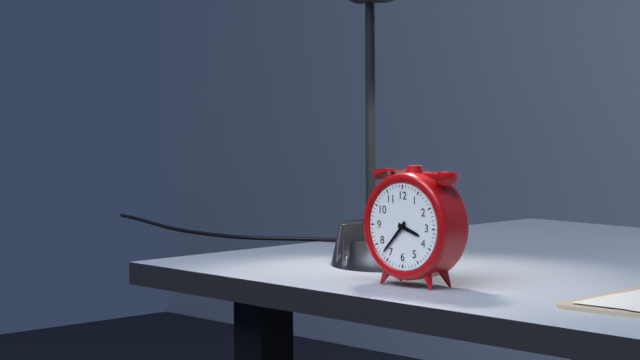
3:37
